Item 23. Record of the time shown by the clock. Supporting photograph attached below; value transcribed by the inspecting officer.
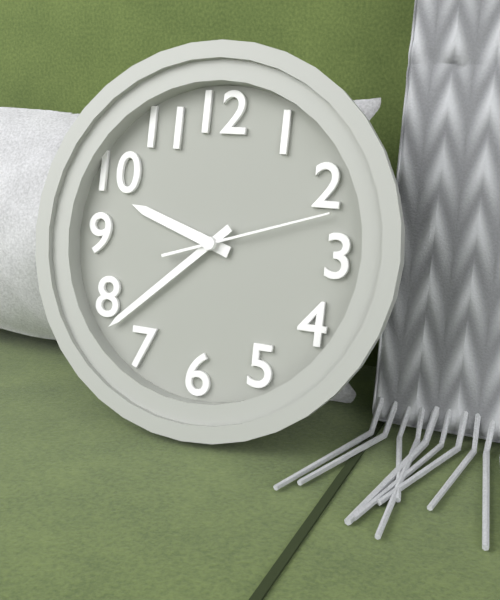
9:38:12
